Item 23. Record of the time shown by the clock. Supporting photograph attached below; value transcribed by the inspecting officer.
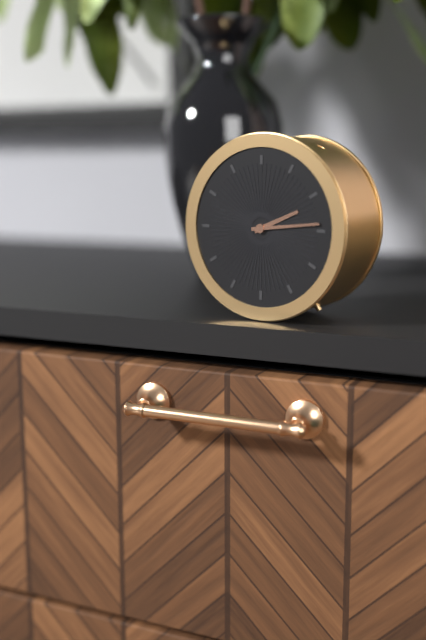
2:14
